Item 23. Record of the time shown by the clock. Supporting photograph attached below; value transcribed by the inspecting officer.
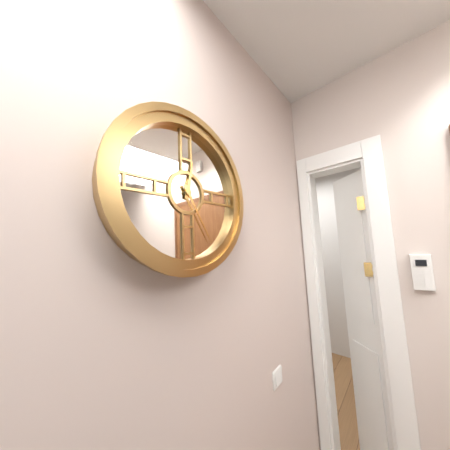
12:25
